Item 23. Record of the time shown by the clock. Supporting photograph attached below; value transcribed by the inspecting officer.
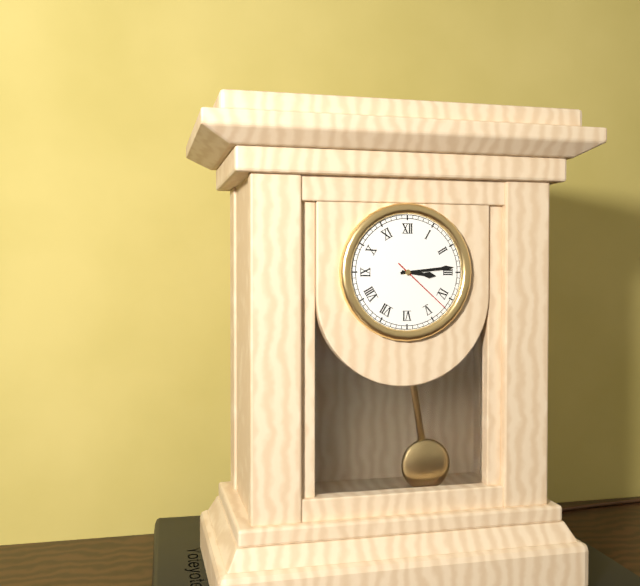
3:14:22
